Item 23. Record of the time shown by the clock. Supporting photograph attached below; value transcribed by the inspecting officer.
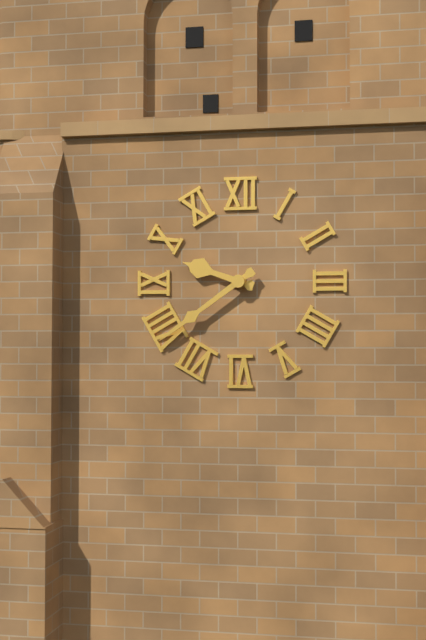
9:39
